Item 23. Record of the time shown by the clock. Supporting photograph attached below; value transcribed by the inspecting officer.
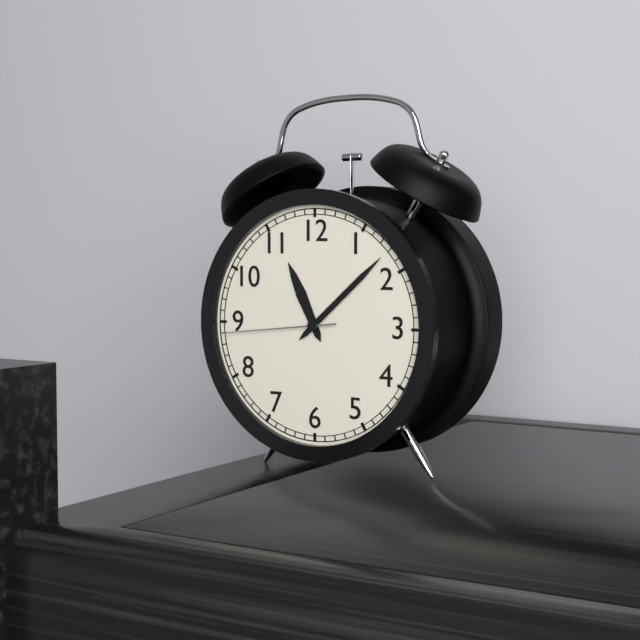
11:08:44
